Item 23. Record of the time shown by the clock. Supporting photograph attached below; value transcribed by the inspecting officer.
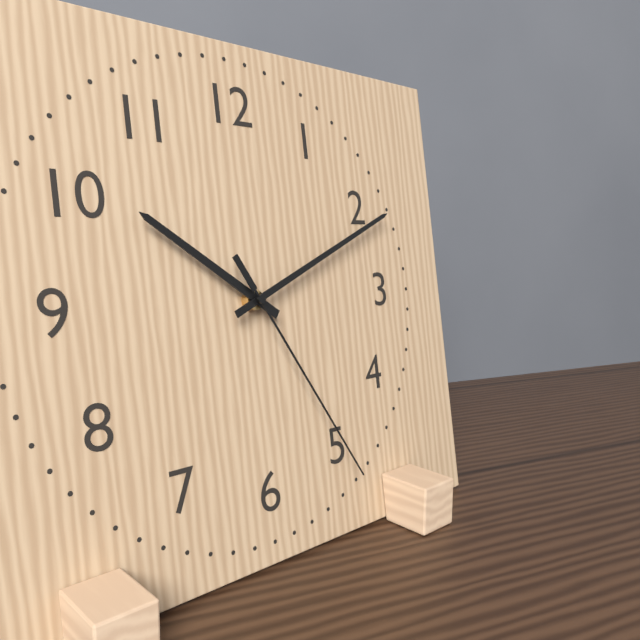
10:11:25
